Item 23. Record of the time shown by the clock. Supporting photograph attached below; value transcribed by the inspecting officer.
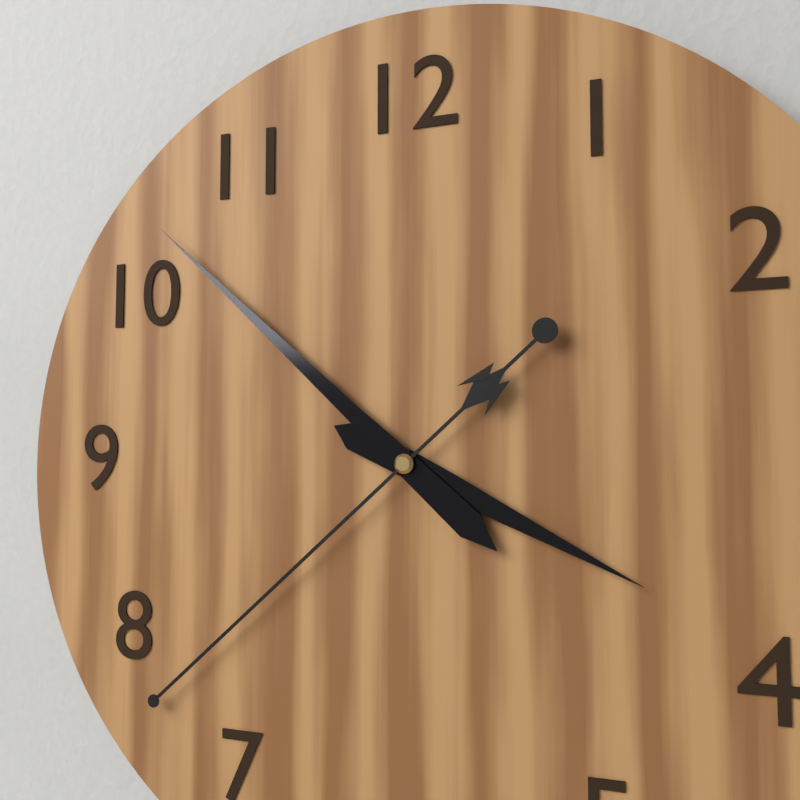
3:52:38
